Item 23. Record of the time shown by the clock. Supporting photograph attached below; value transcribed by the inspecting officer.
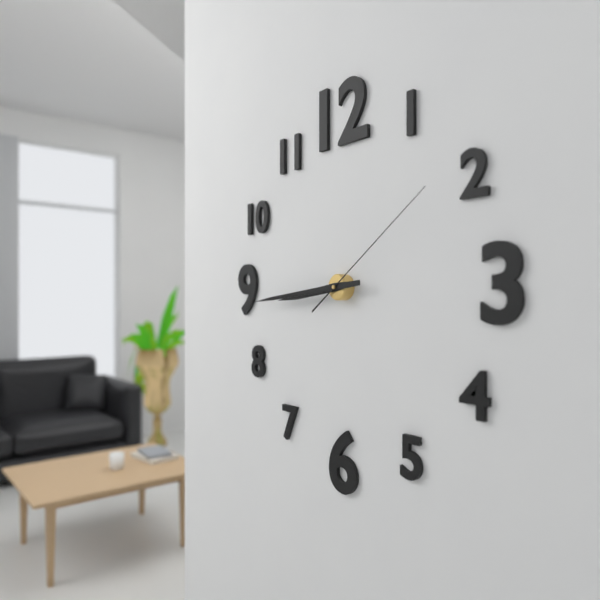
8:44:09
